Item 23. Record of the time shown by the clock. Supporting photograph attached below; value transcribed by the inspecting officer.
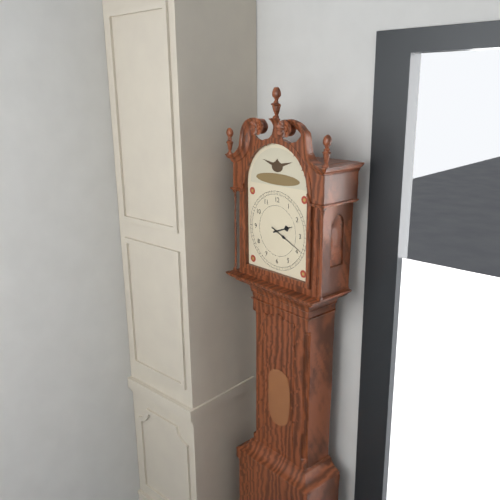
2:19
